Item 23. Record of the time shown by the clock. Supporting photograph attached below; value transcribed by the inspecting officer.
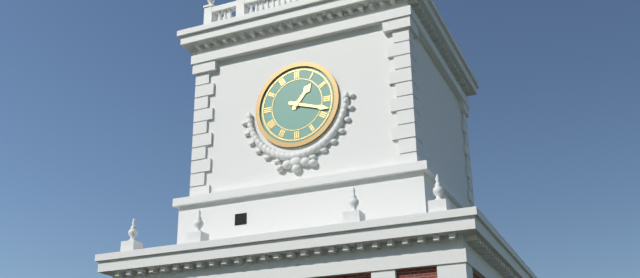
1:18
